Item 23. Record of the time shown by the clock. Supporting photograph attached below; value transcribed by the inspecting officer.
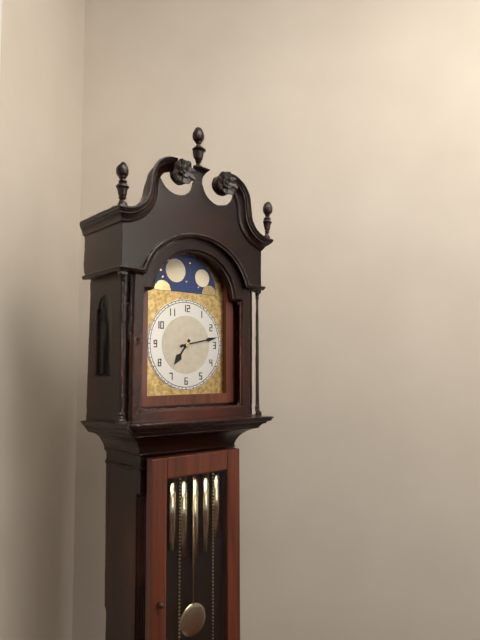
7:13
